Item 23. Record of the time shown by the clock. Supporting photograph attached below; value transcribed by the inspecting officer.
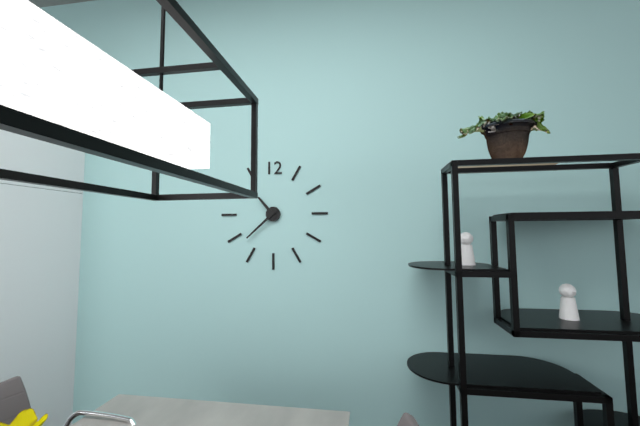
10:38
